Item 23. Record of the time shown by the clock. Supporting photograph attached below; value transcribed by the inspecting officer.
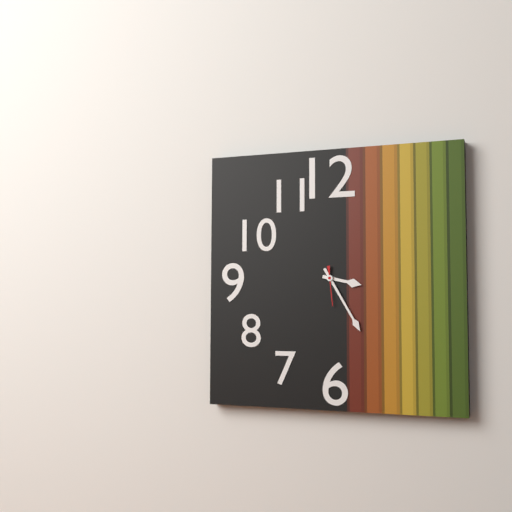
3:25
